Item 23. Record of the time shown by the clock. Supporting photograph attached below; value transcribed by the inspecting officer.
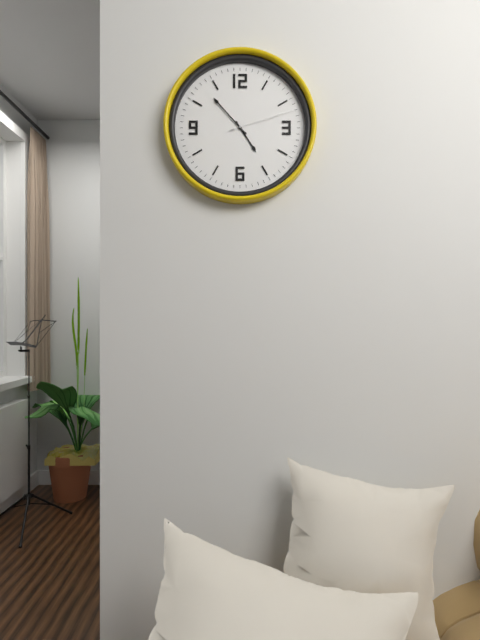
4:53:12
